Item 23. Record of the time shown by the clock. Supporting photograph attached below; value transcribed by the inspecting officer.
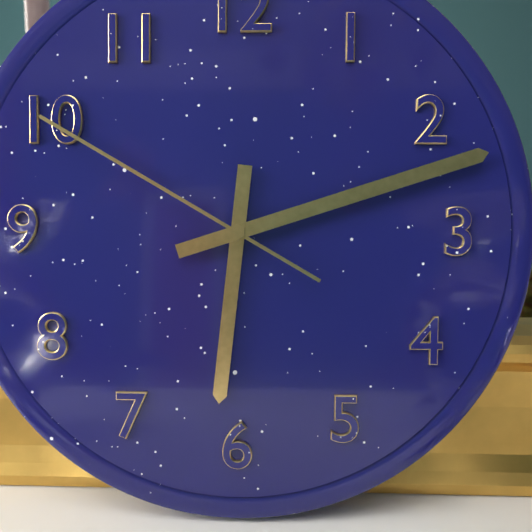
6:12:50
